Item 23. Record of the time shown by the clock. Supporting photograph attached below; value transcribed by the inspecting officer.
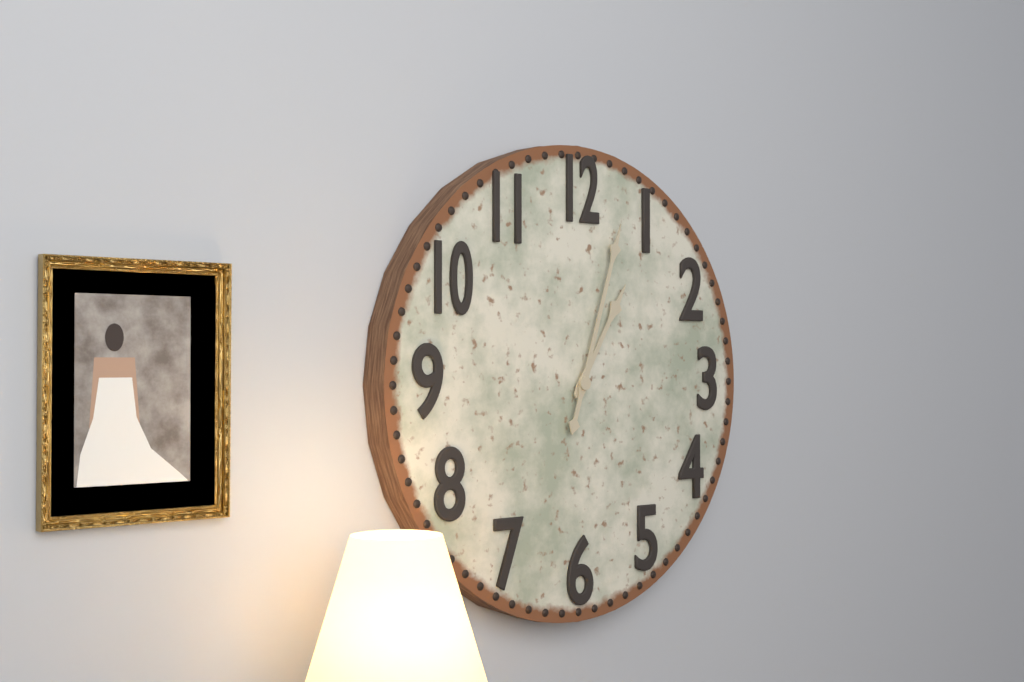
1:03
